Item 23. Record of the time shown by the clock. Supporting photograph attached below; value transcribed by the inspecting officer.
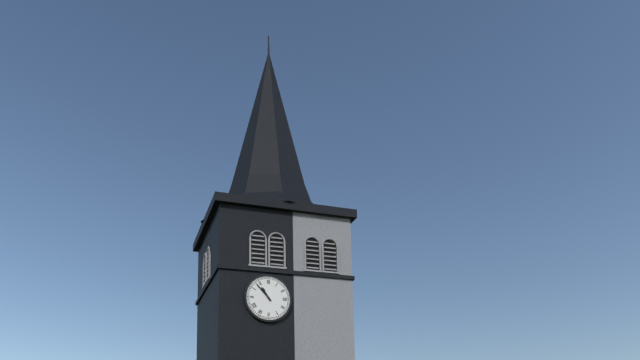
10:53
